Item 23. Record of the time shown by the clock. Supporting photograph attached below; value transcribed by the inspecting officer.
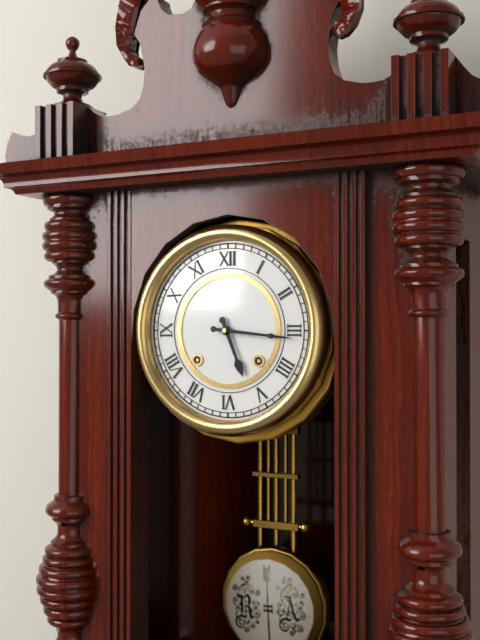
5:16
